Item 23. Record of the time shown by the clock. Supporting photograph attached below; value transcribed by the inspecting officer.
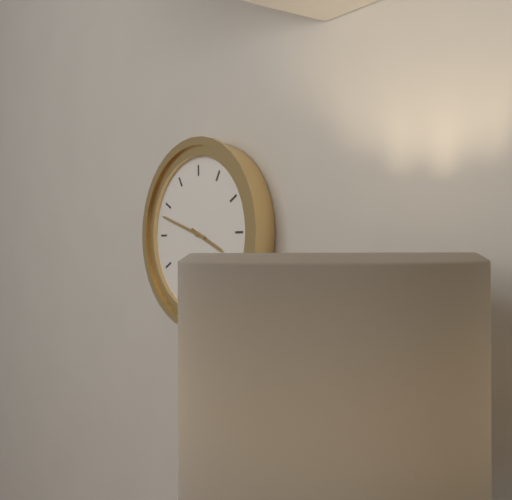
3:48
